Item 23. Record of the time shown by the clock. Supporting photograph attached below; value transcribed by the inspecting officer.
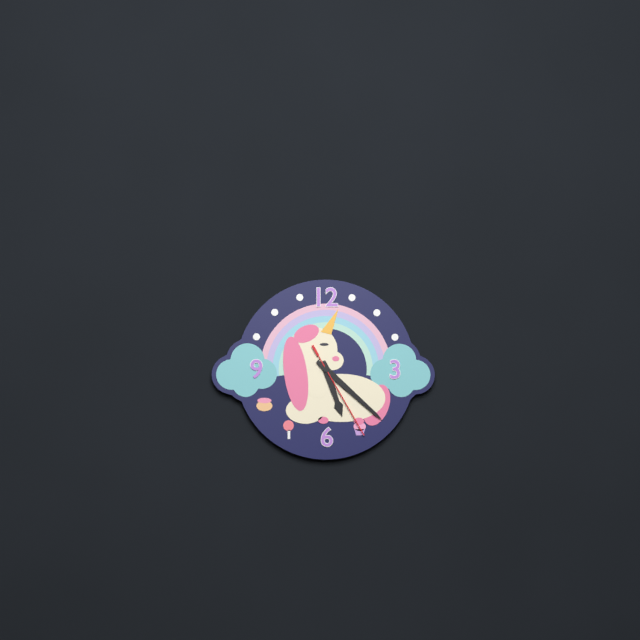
5:22:25
